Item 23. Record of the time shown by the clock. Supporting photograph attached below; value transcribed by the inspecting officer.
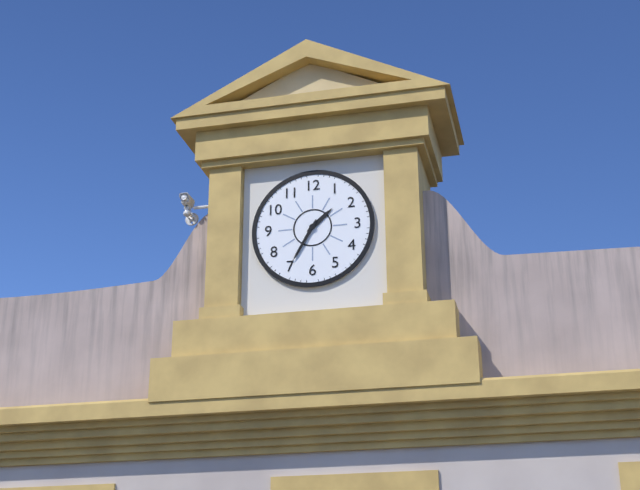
1:35
